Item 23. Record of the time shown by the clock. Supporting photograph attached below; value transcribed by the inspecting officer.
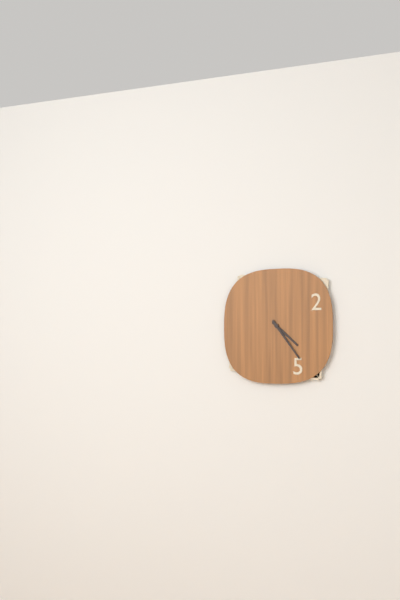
4:24
